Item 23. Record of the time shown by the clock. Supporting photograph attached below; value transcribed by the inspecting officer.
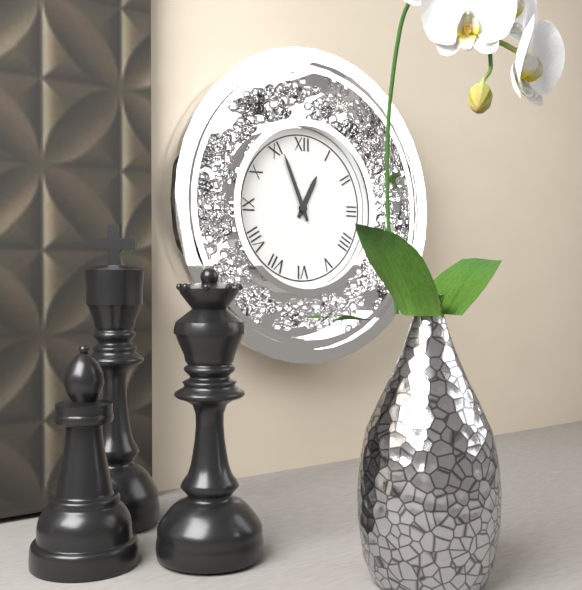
12:56
